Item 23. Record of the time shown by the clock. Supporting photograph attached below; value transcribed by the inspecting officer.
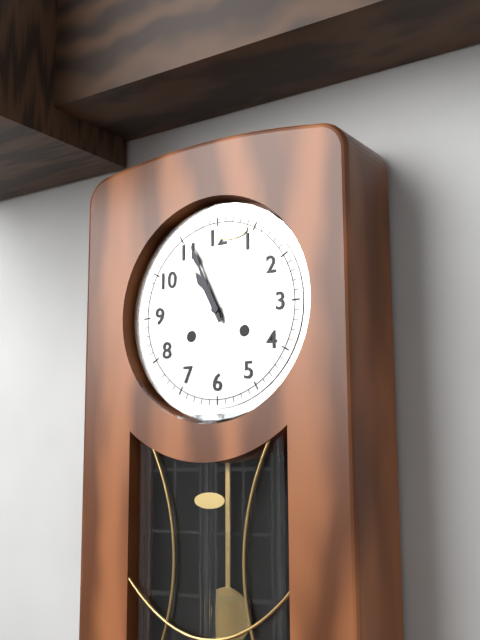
10:56
